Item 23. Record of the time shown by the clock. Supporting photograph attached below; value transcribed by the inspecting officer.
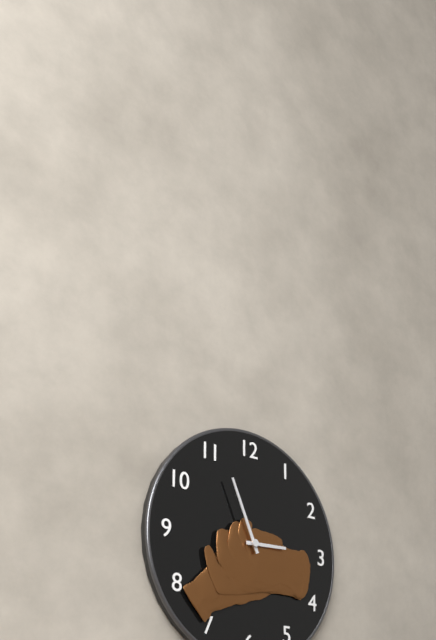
2:56
